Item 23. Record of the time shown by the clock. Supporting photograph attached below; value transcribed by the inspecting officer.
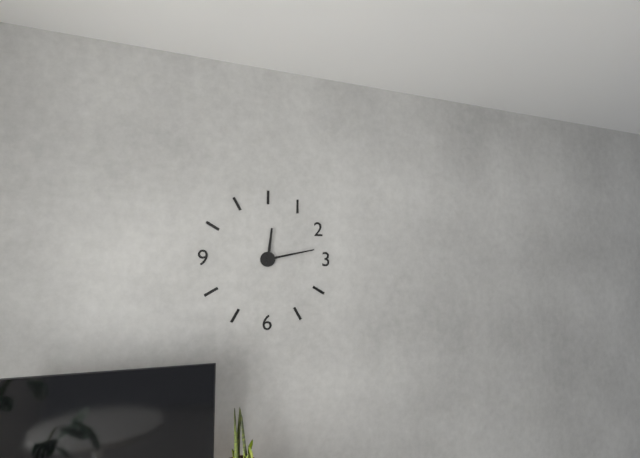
12:13
